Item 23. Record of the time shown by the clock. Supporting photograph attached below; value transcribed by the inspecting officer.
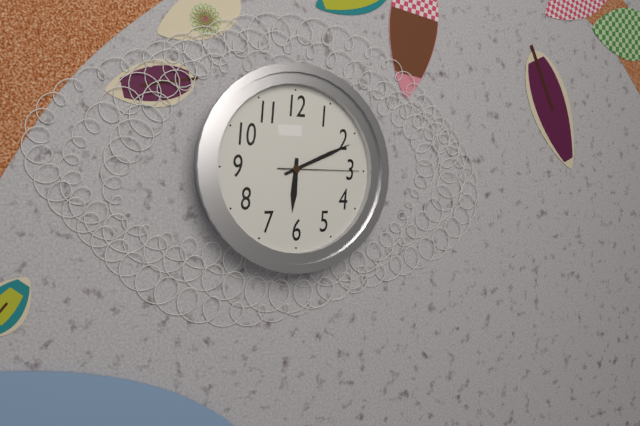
6:11:15
